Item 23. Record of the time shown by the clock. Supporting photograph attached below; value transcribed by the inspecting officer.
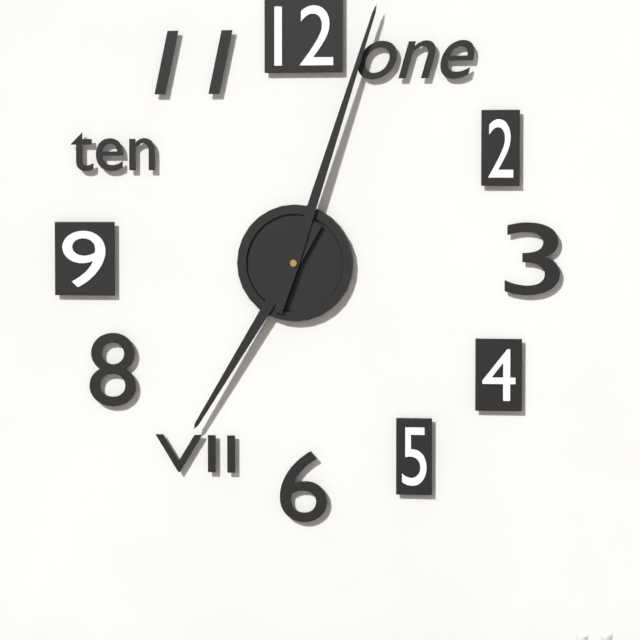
7:03
